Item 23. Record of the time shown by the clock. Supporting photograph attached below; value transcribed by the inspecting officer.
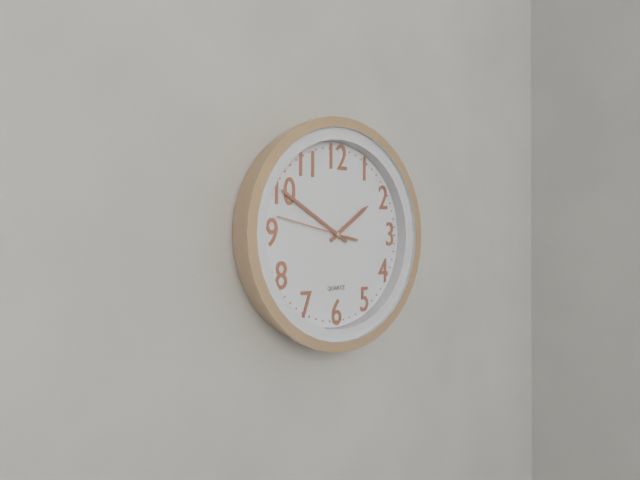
1:50:47
